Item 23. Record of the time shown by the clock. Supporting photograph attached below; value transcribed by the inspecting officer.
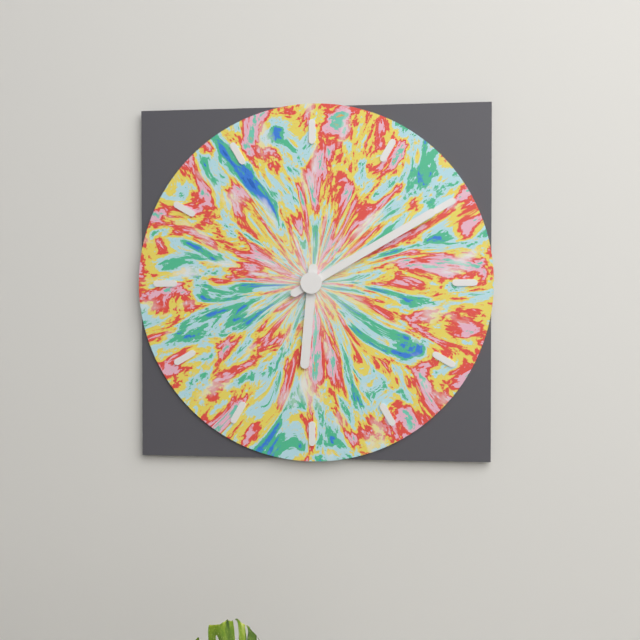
6:10
